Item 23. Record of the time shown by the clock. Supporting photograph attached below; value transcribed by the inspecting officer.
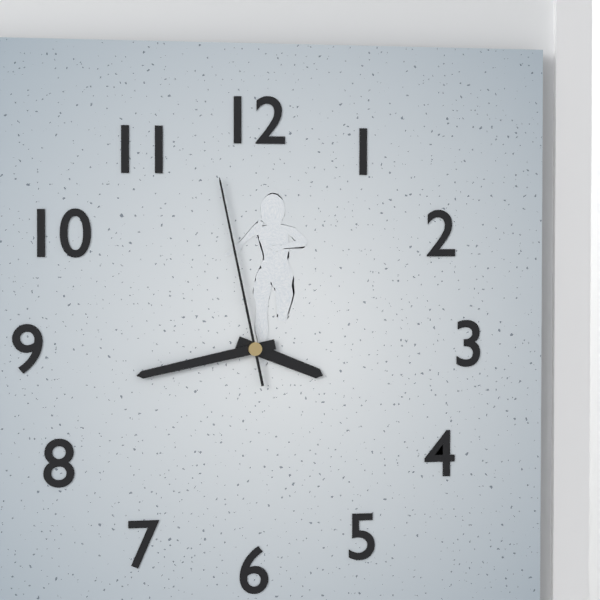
3:43:58
